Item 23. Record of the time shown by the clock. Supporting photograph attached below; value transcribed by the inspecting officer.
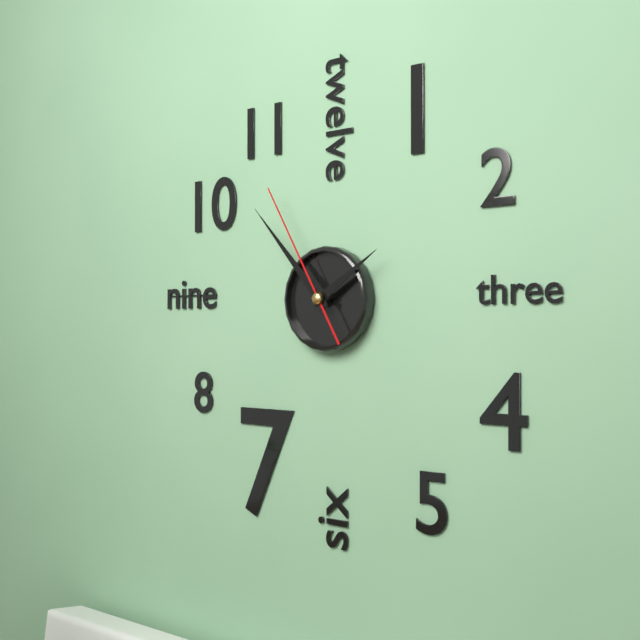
1:53:55
